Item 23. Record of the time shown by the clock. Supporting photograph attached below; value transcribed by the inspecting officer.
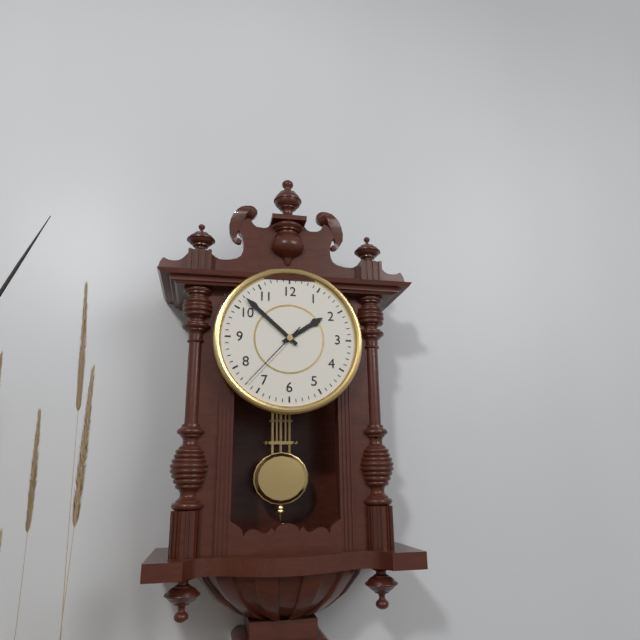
1:52:37
